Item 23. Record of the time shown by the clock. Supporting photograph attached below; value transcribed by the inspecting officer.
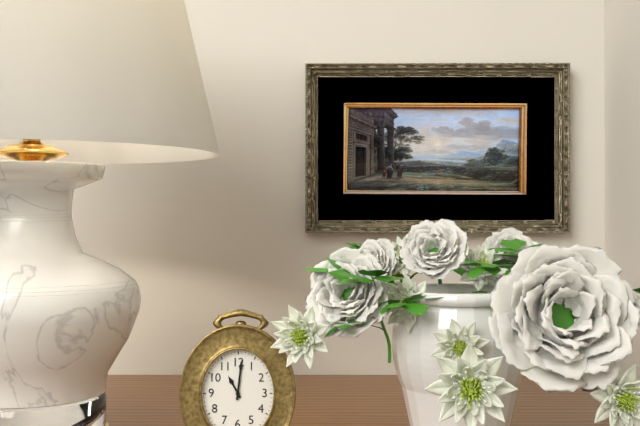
11:01
